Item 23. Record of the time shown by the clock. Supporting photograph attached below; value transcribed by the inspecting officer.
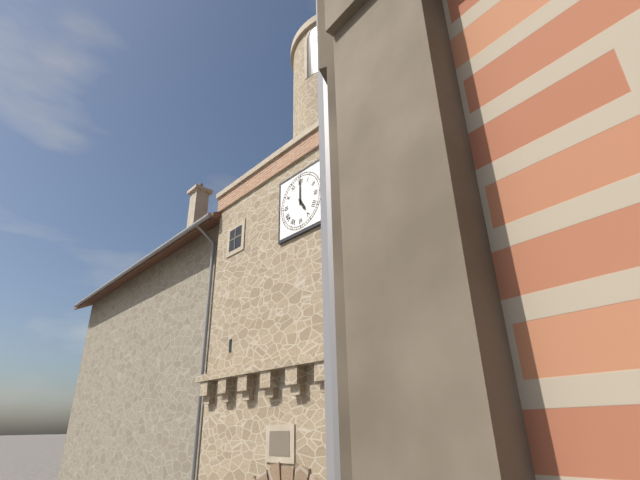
5:00
